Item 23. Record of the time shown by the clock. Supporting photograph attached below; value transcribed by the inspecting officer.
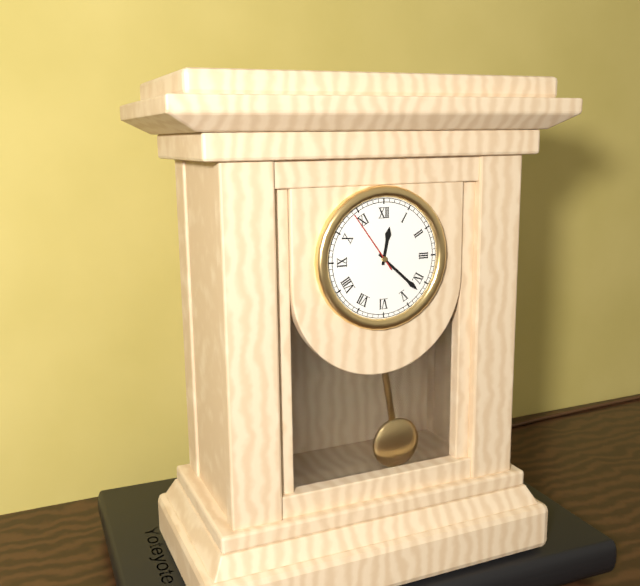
12:22:54
